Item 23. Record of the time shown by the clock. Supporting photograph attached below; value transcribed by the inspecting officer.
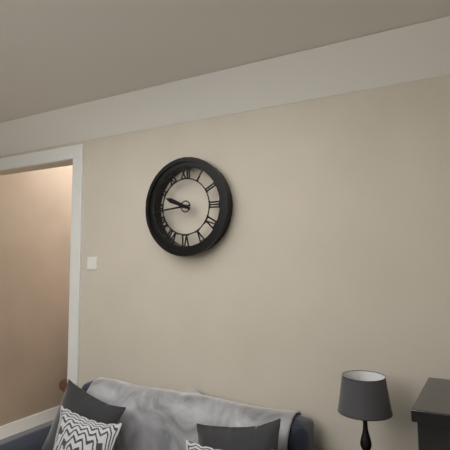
9:44
